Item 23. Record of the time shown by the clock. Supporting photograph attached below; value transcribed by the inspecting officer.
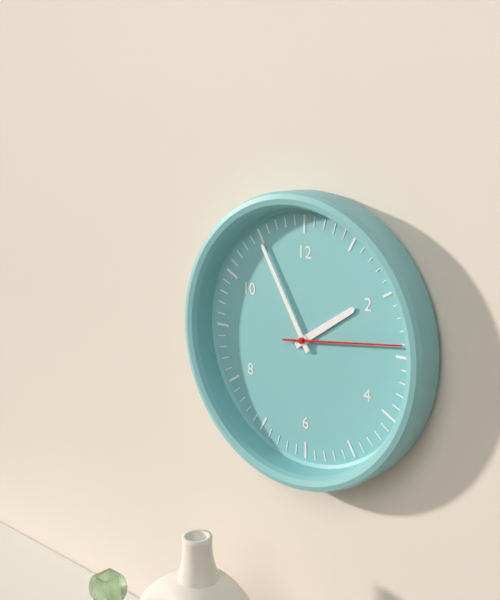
1:55:14
